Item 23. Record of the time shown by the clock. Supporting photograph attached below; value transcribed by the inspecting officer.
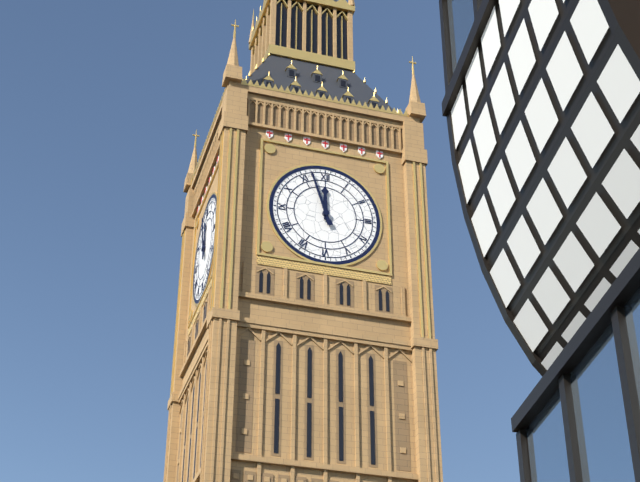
11:57
